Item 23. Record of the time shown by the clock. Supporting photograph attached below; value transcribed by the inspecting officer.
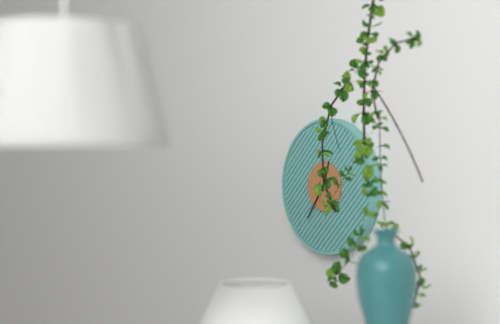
12:36
